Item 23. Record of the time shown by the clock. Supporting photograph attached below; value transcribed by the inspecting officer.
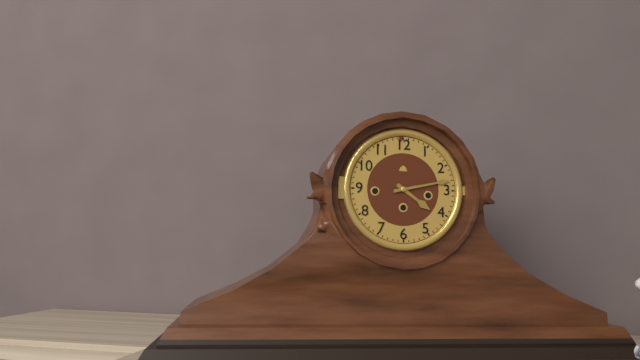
4:13
